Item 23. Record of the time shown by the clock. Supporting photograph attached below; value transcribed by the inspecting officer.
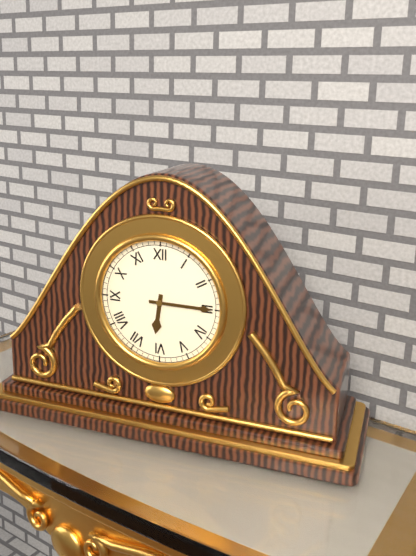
6:15
